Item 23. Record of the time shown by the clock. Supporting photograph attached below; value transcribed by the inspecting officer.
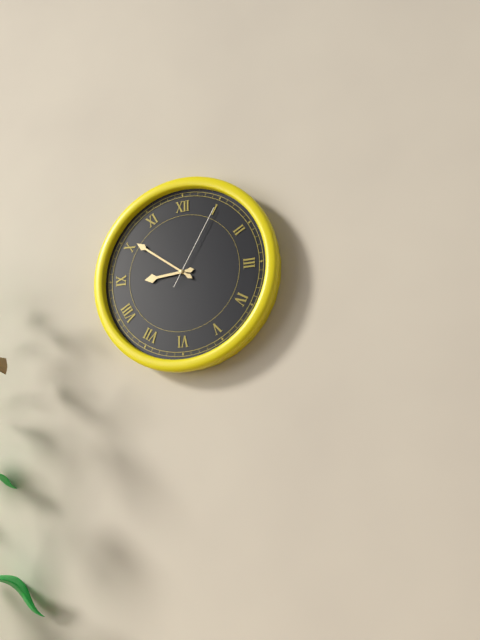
8:51:05
